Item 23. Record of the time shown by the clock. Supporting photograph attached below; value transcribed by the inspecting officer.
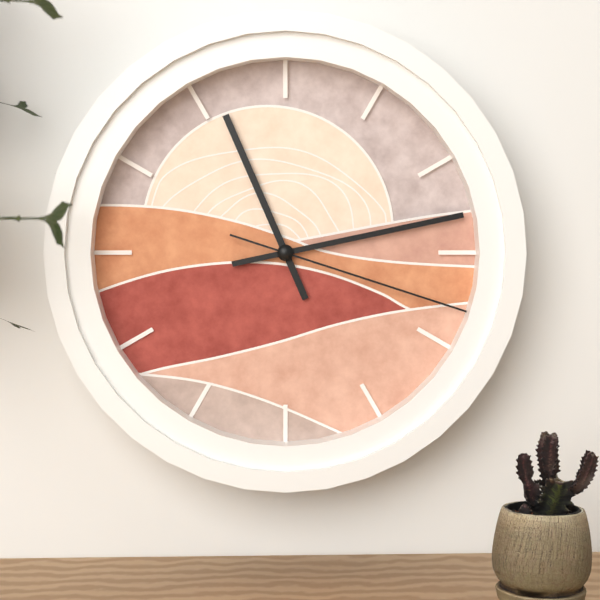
11:13:18
